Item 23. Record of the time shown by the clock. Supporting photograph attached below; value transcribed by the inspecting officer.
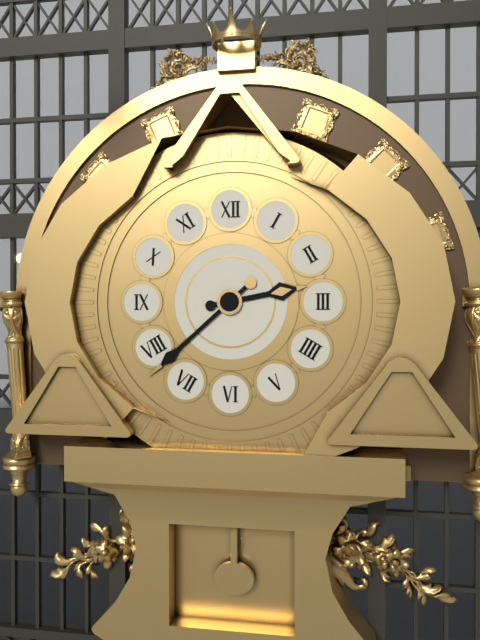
2:38
